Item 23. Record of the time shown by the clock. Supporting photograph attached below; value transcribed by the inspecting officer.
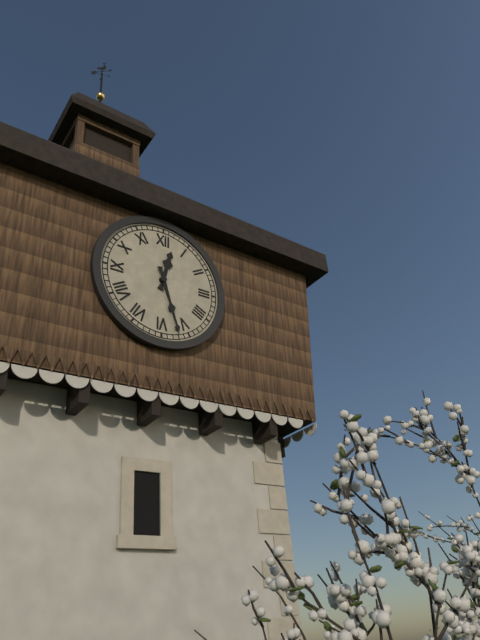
12:27
